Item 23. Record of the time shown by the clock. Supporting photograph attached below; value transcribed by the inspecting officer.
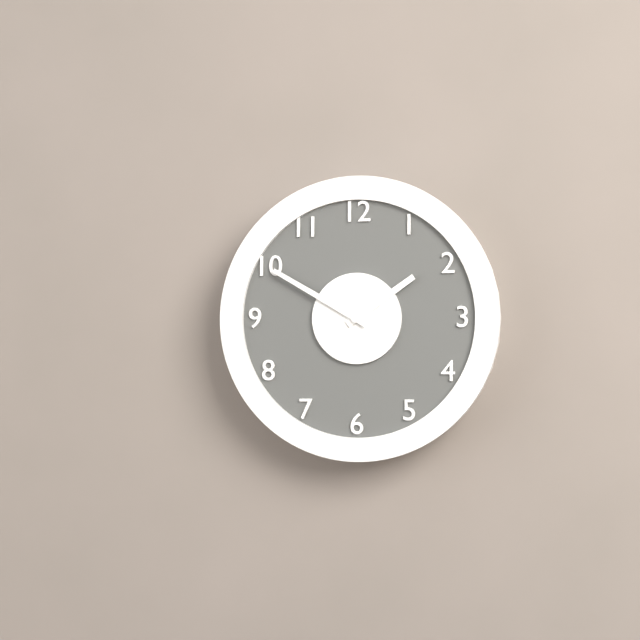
1:50
